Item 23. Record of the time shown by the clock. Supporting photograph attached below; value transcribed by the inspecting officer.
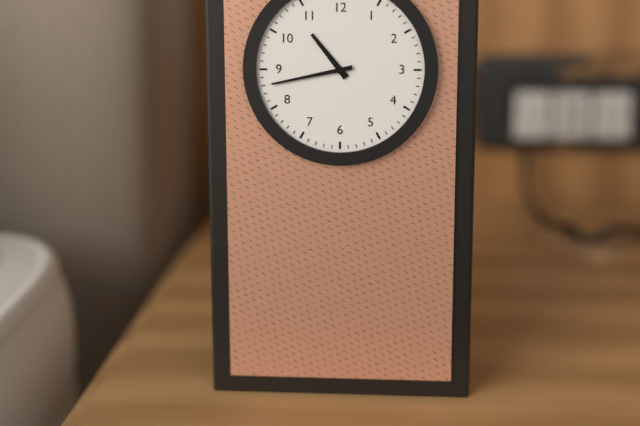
10:43
